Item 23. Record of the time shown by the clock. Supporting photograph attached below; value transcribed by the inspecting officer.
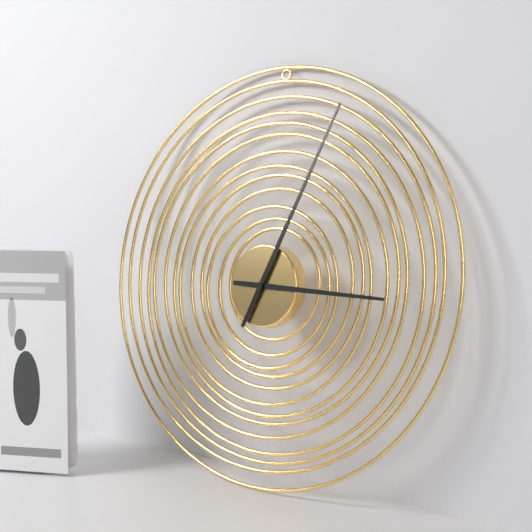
3:04
